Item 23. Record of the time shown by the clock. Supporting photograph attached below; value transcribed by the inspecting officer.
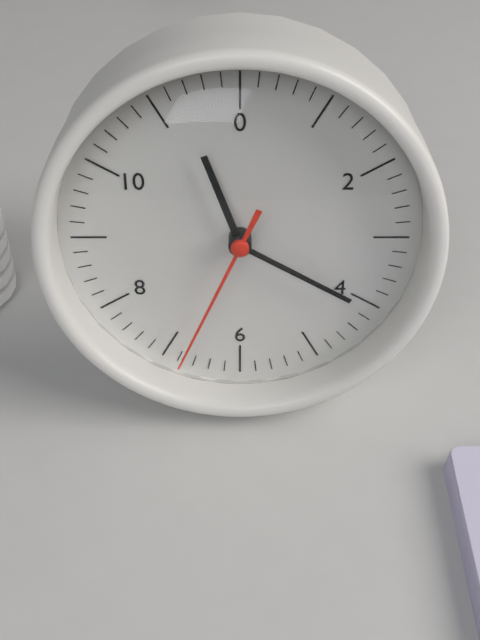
11:20:34
